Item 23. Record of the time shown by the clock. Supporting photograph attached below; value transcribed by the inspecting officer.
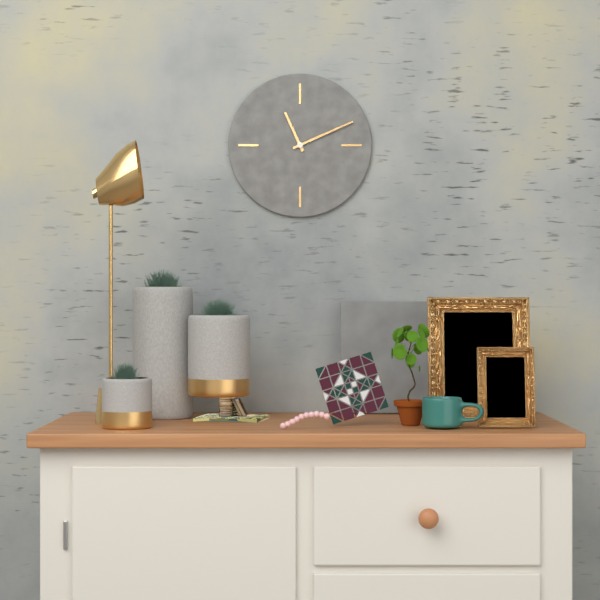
11:11
